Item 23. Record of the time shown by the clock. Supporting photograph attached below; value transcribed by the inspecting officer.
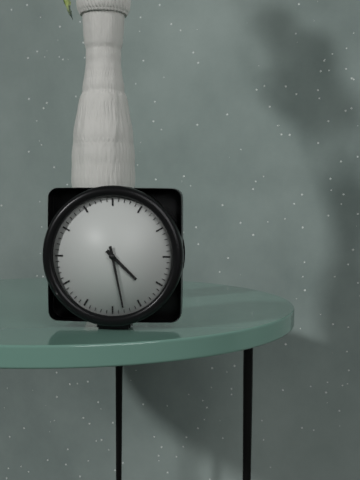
4:28
